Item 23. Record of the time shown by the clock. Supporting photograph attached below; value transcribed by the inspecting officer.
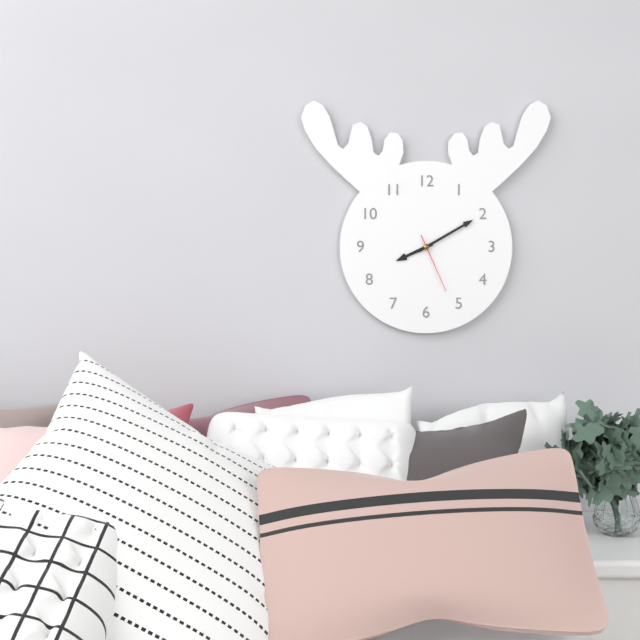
8:10:26
